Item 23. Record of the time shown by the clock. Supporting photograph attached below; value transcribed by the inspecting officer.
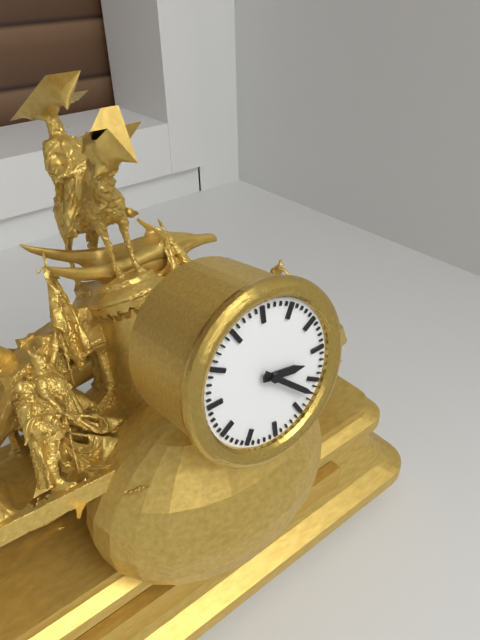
3:22
